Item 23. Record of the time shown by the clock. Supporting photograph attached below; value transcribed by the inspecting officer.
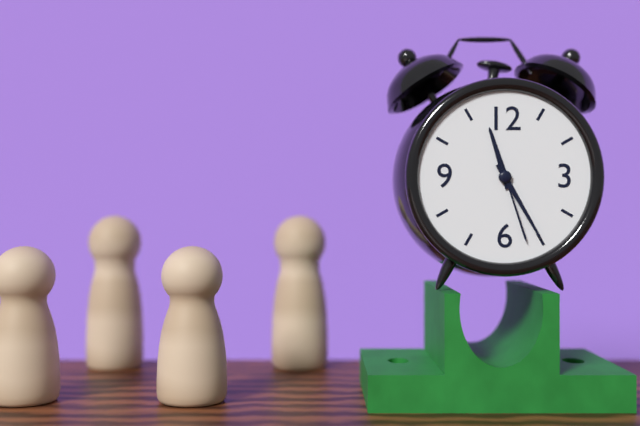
11:25:27
